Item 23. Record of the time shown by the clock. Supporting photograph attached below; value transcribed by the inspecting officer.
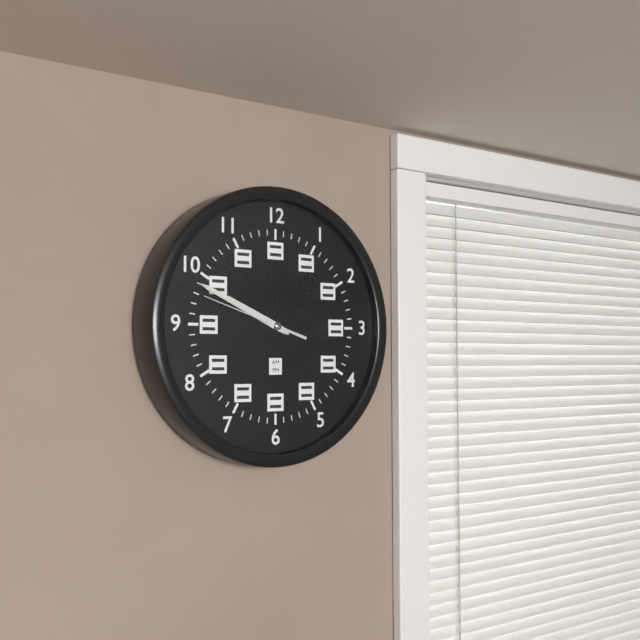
9:49:48
